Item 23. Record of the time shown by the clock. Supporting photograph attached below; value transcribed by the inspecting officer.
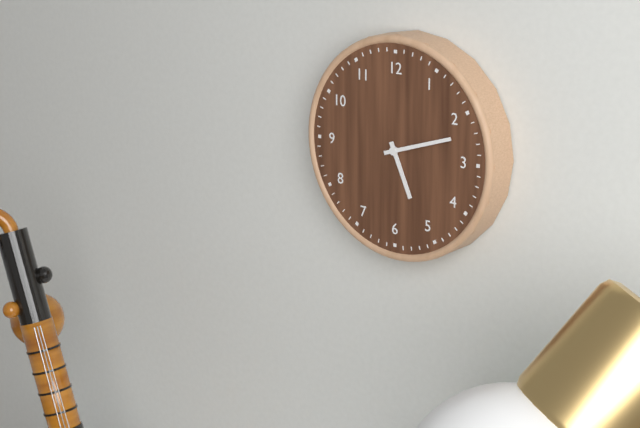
5:12
